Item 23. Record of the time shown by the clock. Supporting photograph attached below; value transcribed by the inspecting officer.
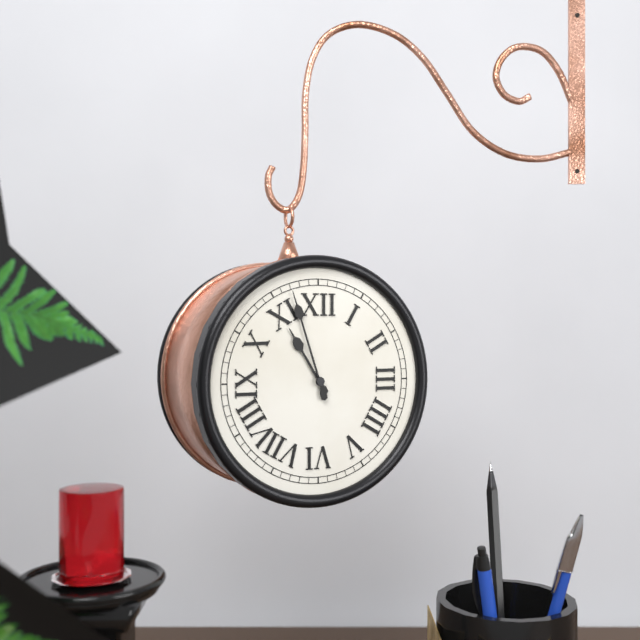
10:57
